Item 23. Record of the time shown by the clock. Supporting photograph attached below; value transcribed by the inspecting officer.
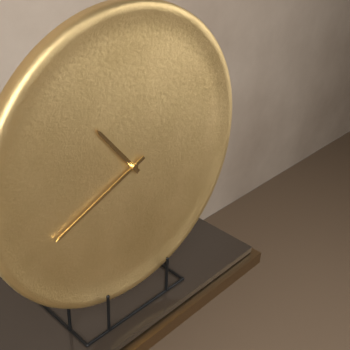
10:41
